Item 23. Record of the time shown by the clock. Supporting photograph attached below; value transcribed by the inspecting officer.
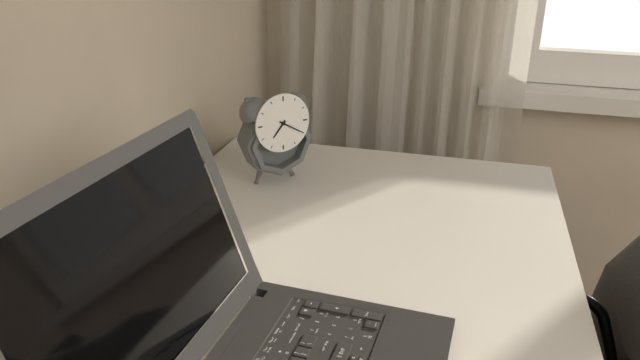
7:20
